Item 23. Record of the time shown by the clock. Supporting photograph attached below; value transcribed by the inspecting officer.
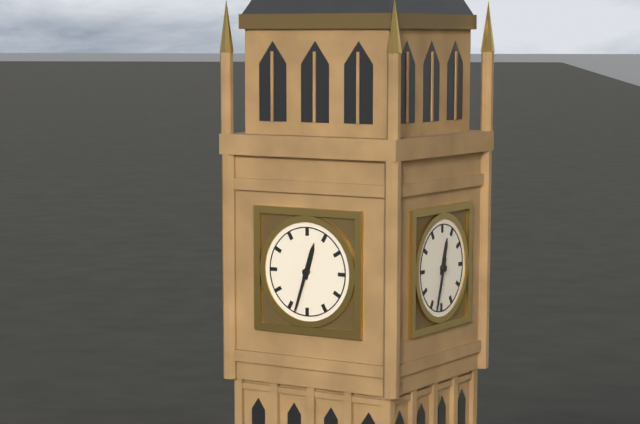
12:33
